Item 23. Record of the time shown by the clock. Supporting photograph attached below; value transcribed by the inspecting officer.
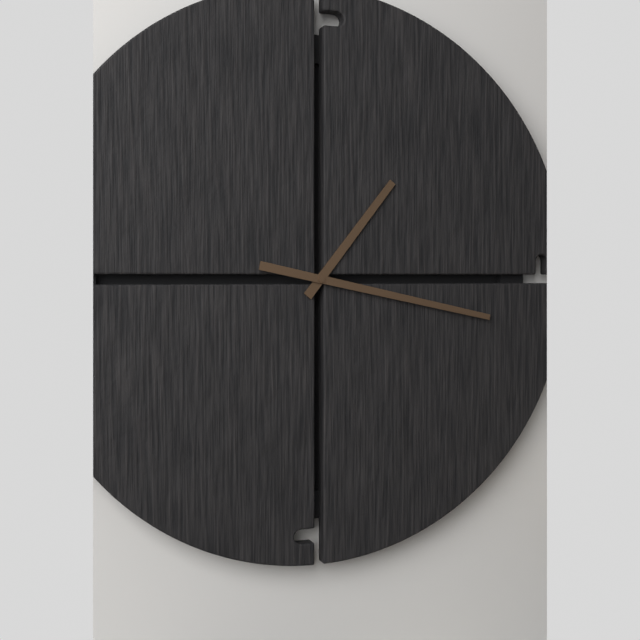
1:17
